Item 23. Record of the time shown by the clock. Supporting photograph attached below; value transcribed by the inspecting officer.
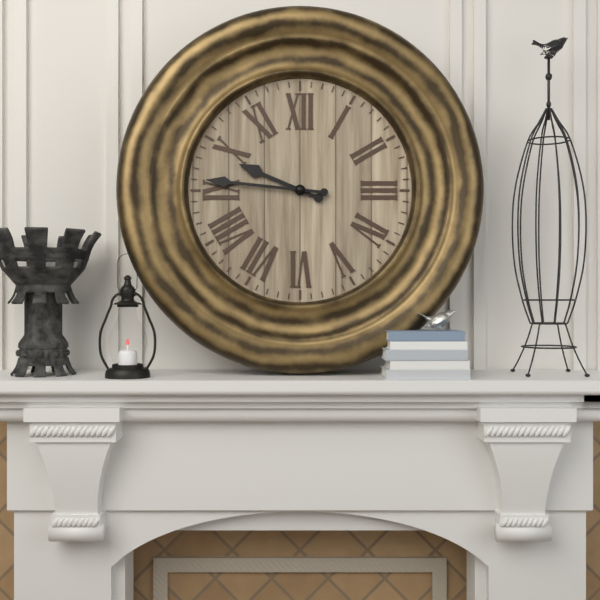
9:46
